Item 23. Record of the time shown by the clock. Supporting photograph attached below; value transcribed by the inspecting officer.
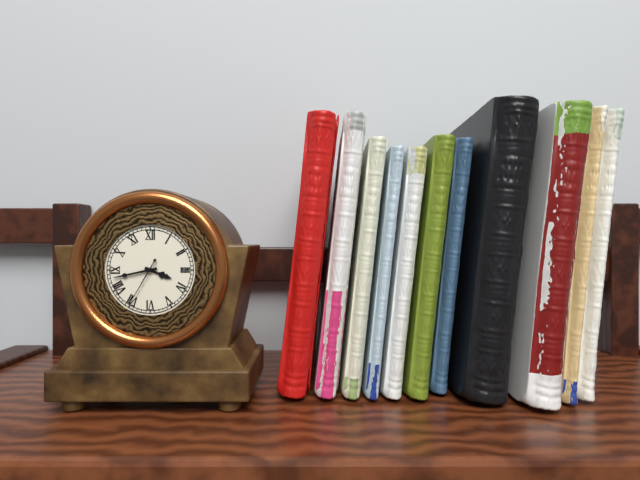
3:43:35
